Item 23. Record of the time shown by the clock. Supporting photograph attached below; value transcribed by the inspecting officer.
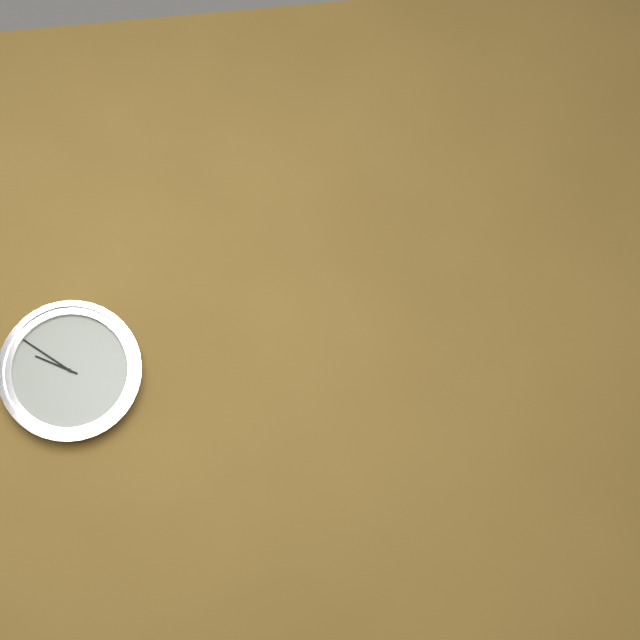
9:51
